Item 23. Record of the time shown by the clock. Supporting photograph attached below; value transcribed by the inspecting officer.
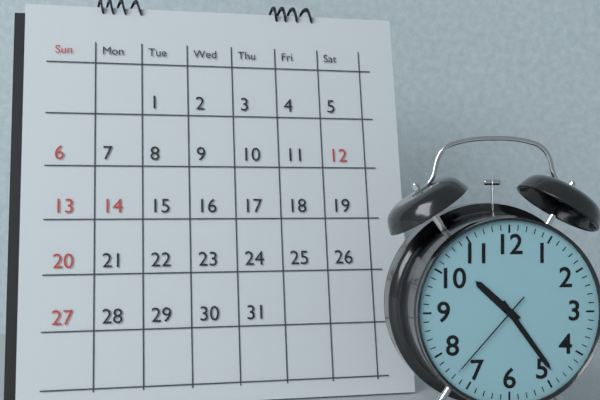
10:24:37
